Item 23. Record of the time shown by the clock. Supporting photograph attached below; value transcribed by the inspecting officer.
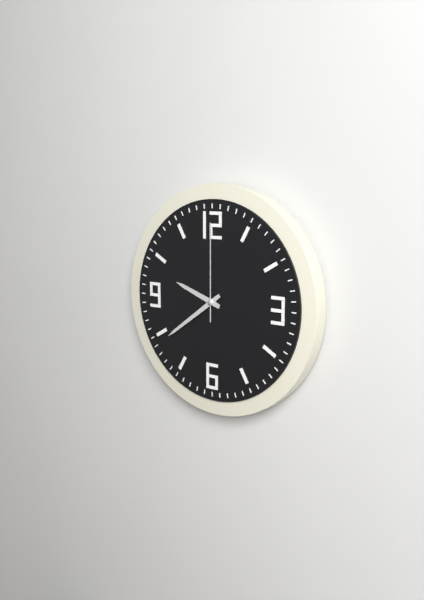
9:39:00
